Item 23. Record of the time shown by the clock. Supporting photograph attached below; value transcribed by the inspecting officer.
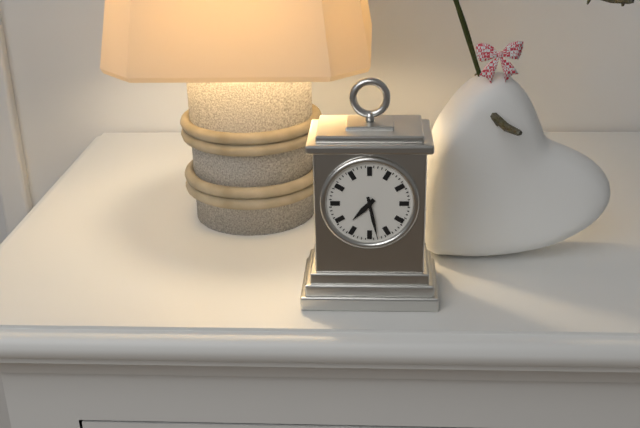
7:28
